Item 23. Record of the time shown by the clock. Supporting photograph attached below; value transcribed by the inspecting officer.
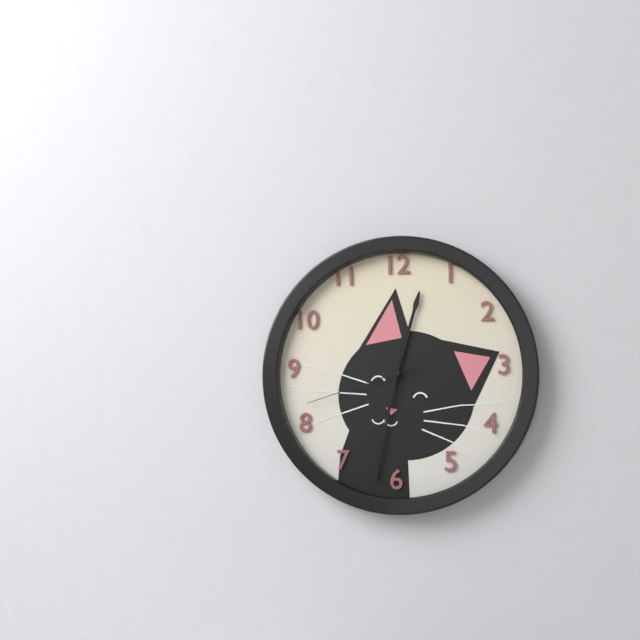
12:32:42
